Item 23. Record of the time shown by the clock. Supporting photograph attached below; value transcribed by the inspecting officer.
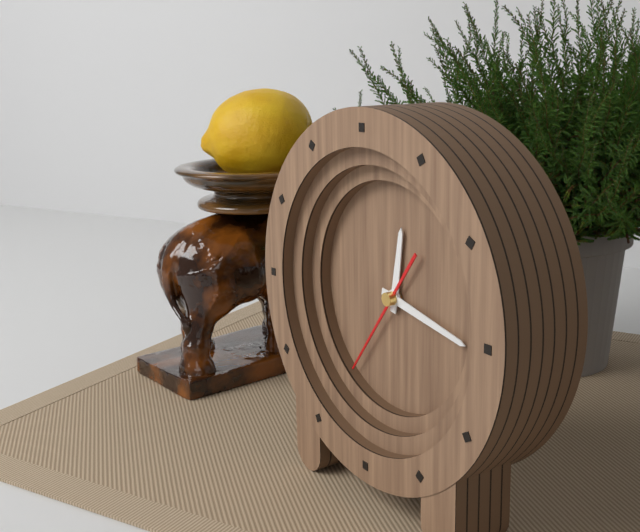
12:17:36
